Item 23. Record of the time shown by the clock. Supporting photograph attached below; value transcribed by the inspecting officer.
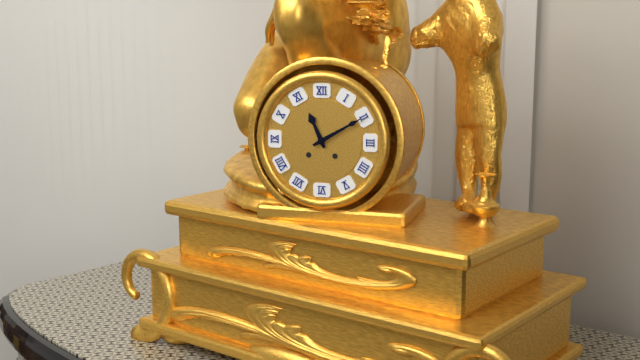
11:10
